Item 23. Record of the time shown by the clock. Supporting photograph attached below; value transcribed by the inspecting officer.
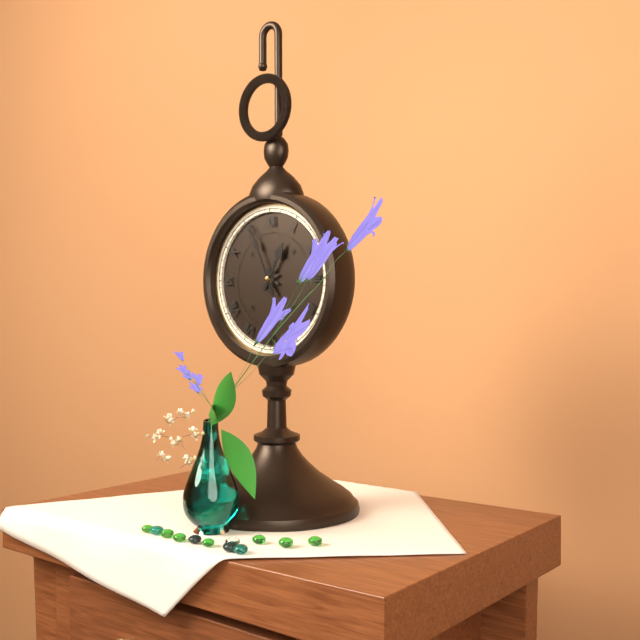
12:56
